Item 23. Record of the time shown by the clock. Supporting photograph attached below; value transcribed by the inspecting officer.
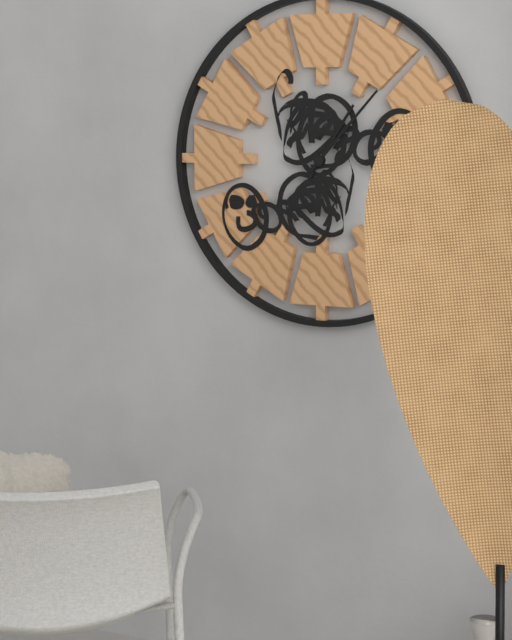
1:07
